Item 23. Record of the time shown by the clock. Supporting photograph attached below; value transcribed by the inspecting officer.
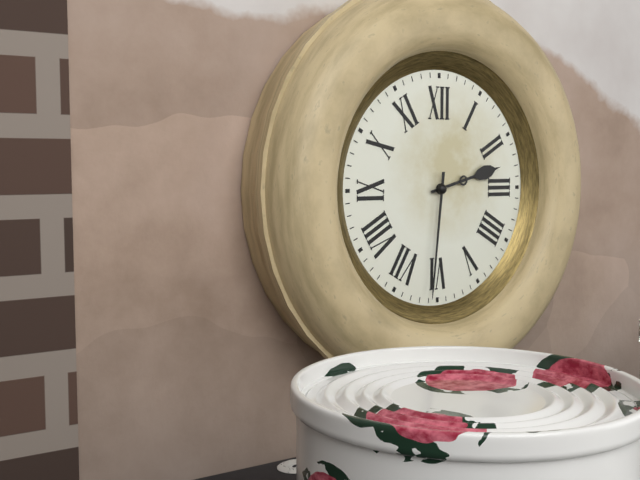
2:31
